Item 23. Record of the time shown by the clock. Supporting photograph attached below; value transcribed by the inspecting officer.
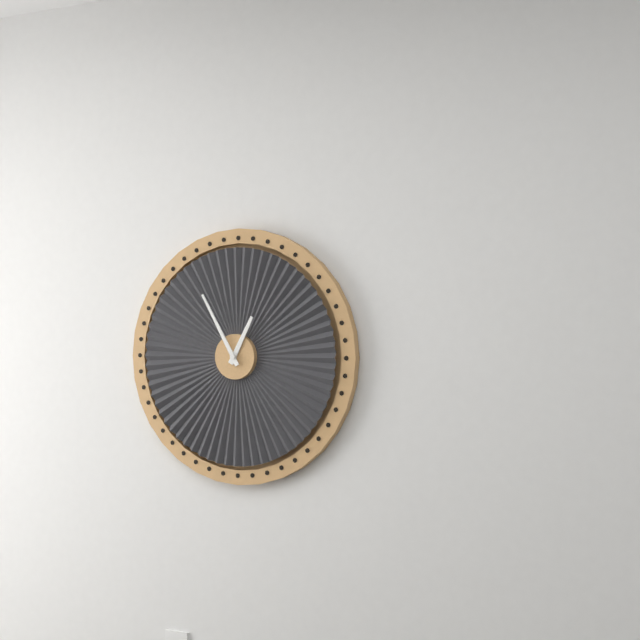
12:55
